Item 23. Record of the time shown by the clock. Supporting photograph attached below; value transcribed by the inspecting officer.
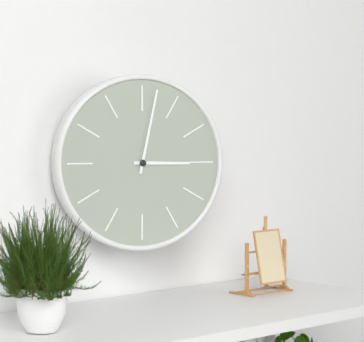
3:02
